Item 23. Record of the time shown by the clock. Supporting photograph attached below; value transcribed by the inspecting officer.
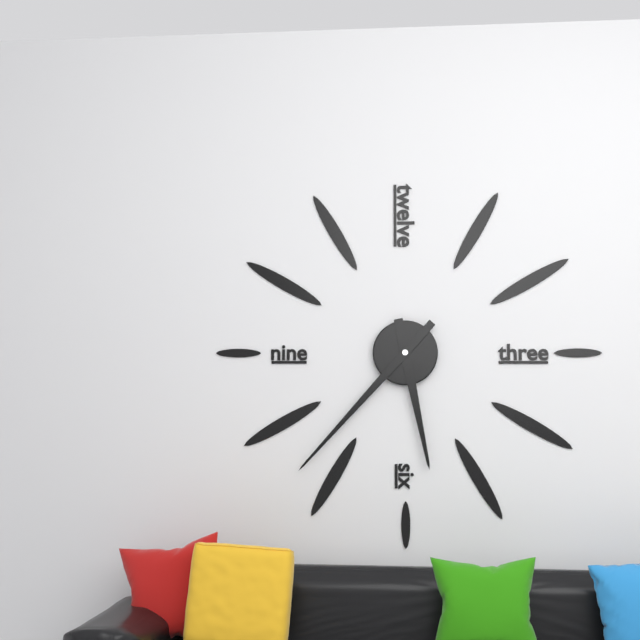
5:37
